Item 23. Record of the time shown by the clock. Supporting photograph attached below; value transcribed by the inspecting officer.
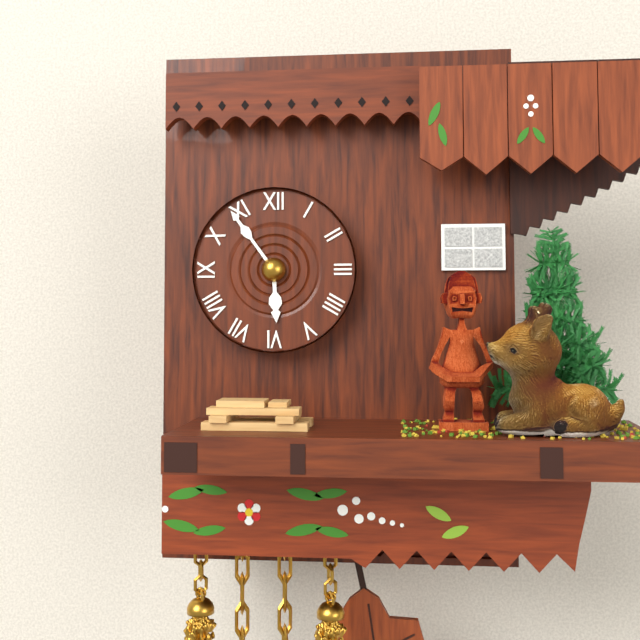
5:54
